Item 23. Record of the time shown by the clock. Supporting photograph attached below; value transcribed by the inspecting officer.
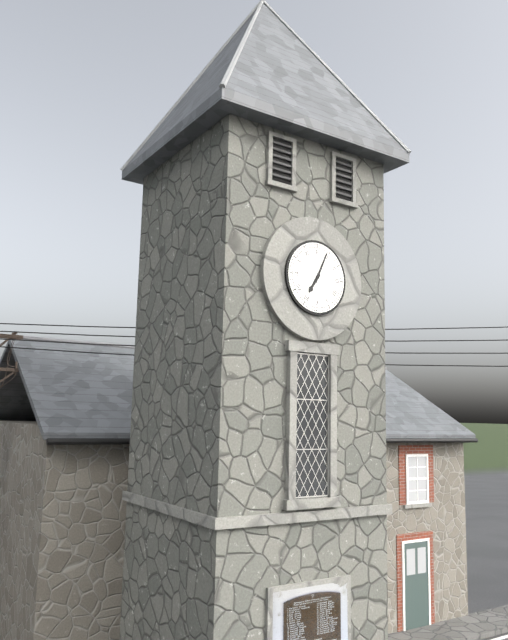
7:04
